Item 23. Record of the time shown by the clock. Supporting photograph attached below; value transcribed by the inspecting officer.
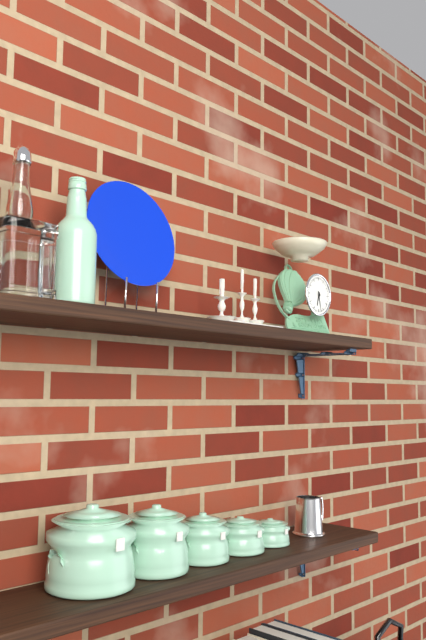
6:28
